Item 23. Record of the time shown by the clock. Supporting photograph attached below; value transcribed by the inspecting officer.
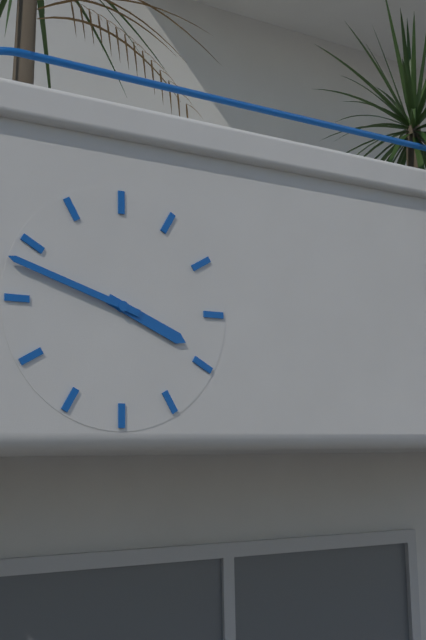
3:48
